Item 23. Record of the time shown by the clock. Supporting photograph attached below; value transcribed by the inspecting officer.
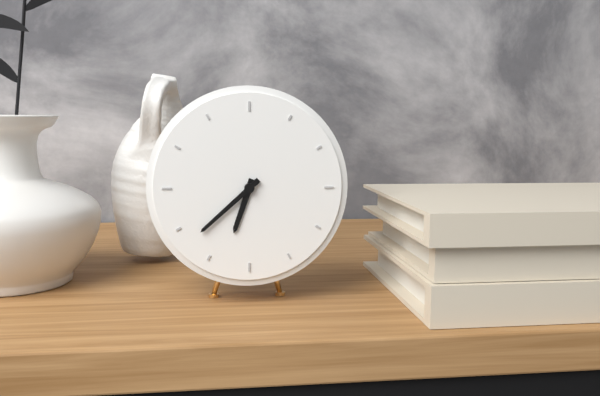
6:38
